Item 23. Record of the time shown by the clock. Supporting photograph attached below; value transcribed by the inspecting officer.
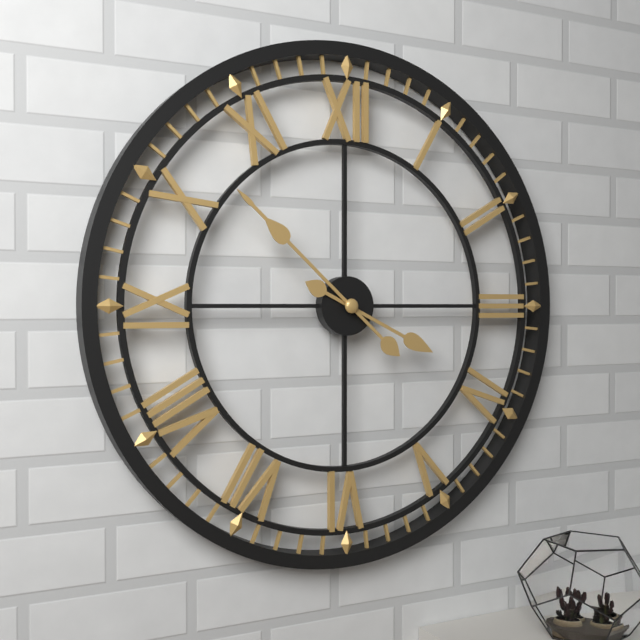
3:52
